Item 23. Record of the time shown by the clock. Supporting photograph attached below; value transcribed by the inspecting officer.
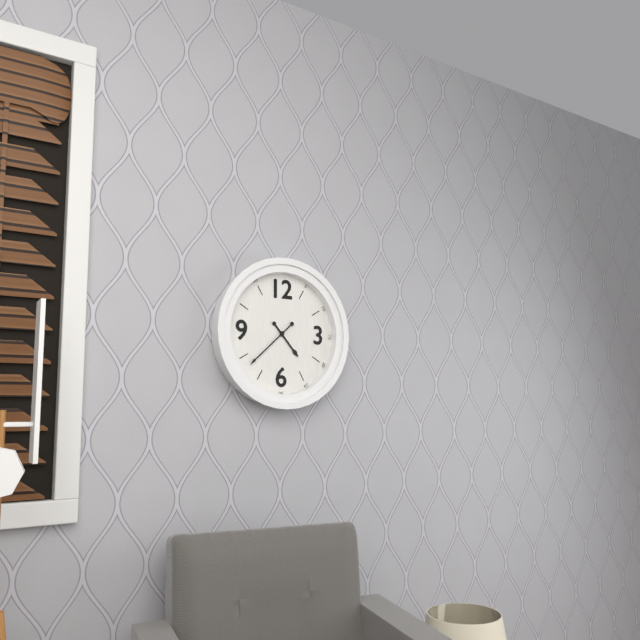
4:38
